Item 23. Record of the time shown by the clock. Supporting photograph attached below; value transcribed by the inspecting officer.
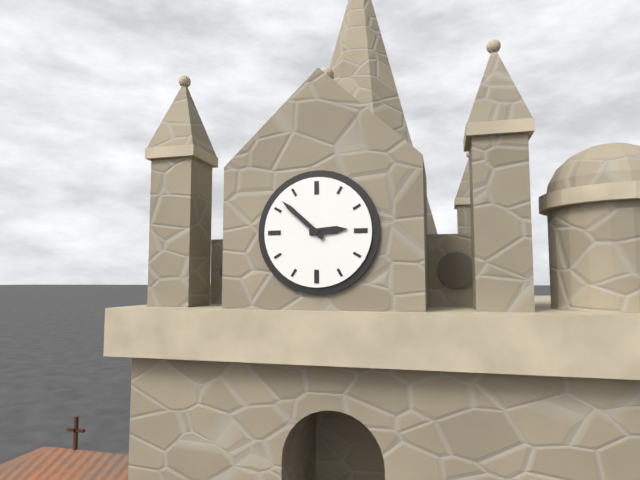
2:52
